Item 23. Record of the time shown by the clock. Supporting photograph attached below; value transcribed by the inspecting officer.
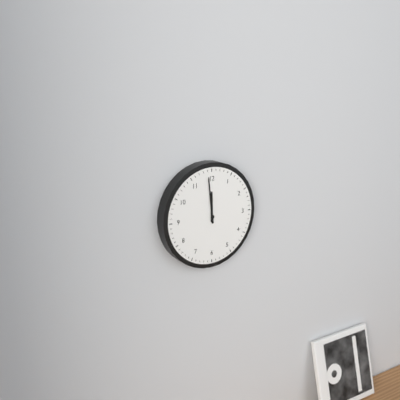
11:59
